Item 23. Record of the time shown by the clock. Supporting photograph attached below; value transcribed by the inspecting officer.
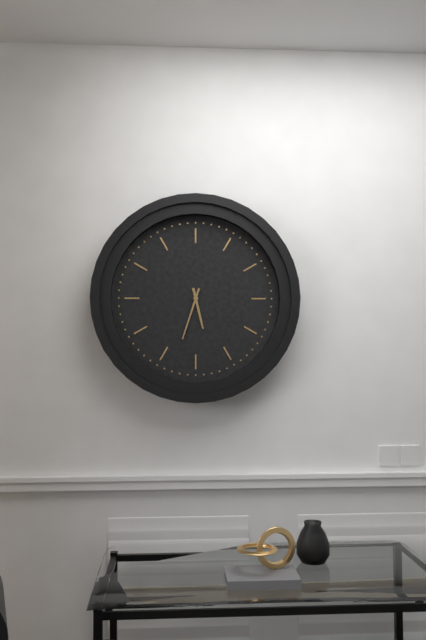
5:33
